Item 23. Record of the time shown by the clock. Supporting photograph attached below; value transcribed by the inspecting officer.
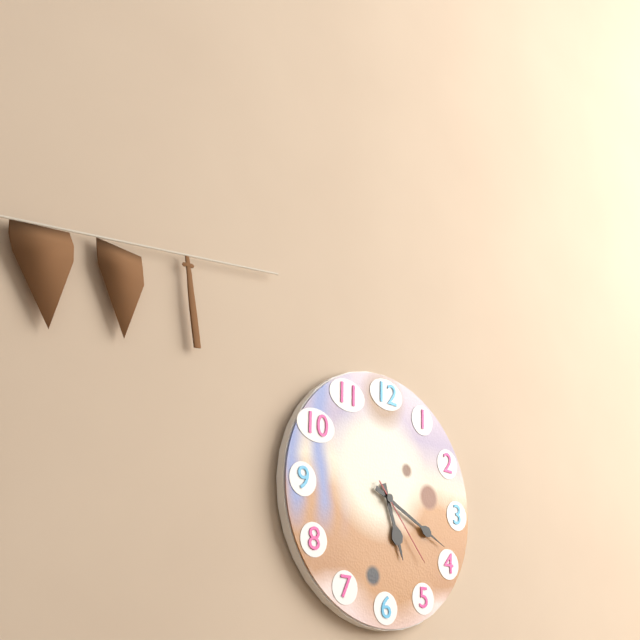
5:19:23
